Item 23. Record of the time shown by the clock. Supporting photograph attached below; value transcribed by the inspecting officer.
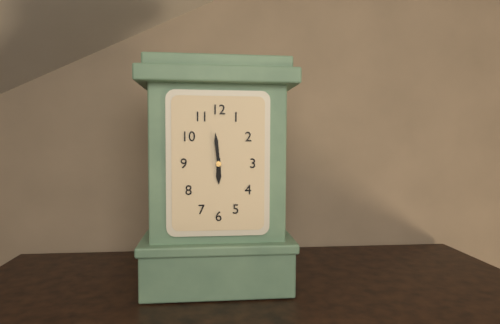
5:59
